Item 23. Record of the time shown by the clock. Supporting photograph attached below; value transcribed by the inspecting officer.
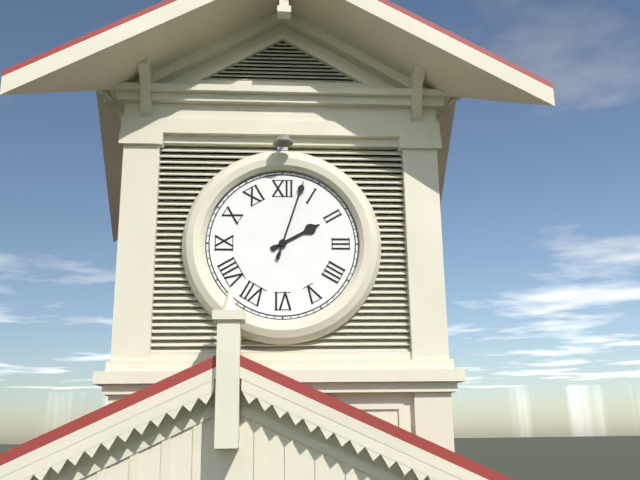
2:03
